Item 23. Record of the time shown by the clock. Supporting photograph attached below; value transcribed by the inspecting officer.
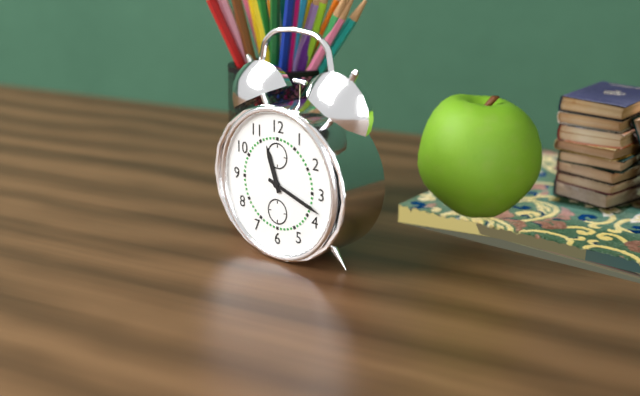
11:18
